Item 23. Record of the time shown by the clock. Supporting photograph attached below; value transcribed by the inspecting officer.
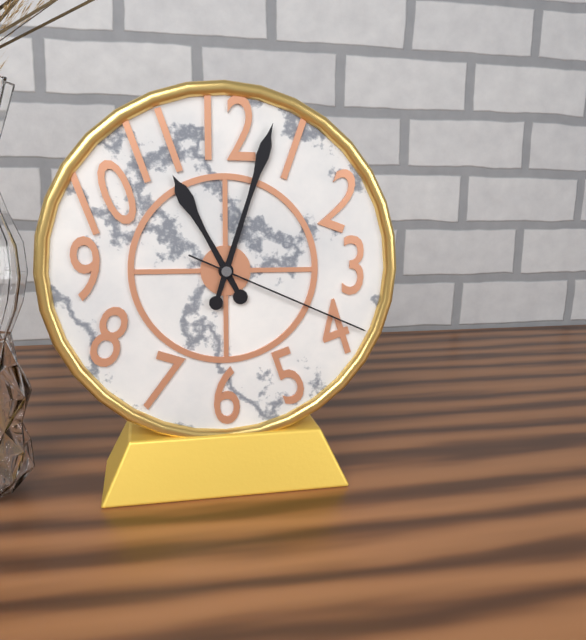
11:03:19
